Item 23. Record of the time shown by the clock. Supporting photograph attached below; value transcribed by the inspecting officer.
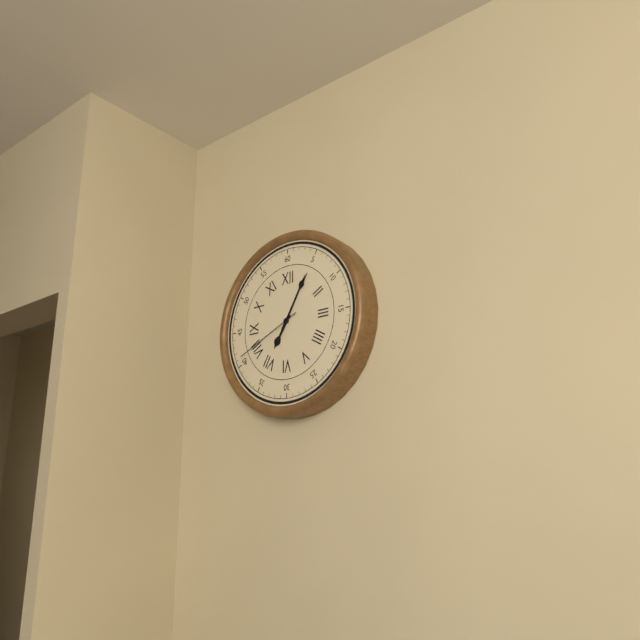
7:05:41
